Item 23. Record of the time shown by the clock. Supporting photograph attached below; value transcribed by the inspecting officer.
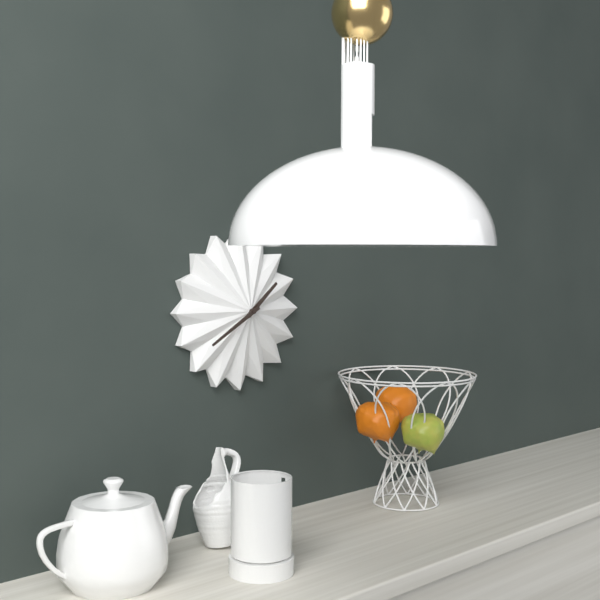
1:40
